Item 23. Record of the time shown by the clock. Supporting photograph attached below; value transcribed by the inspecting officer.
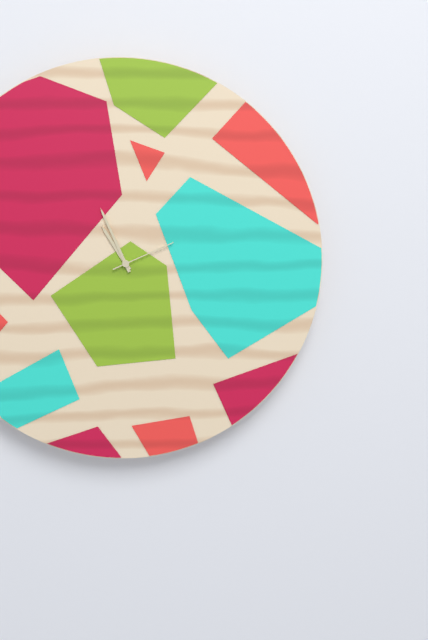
10:56:11
